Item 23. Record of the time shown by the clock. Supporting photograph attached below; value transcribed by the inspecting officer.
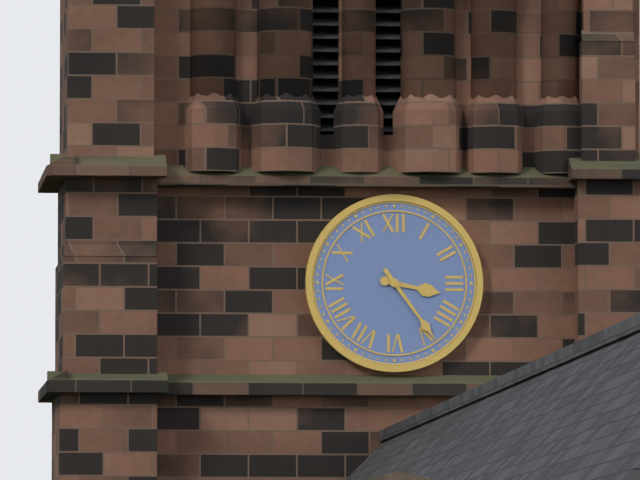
3:24
